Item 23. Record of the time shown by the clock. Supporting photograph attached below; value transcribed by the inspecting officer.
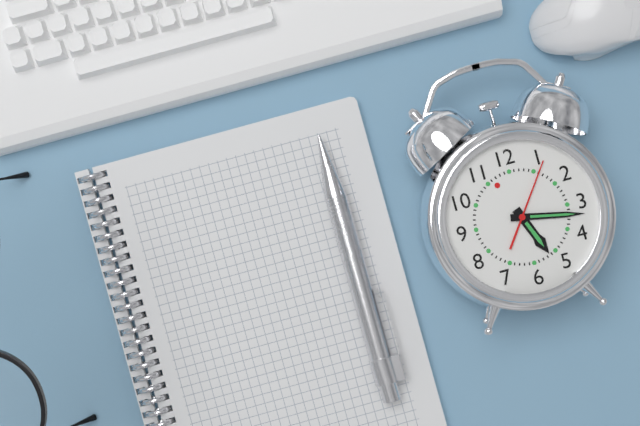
5:17:06
